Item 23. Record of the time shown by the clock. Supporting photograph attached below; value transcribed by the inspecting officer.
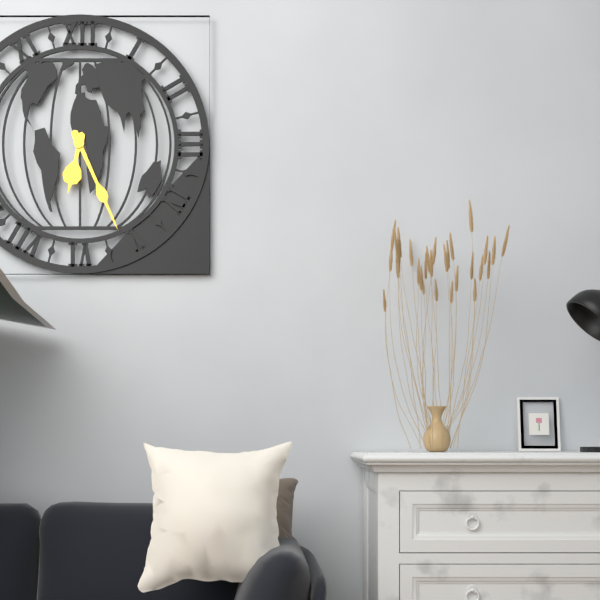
6:26
